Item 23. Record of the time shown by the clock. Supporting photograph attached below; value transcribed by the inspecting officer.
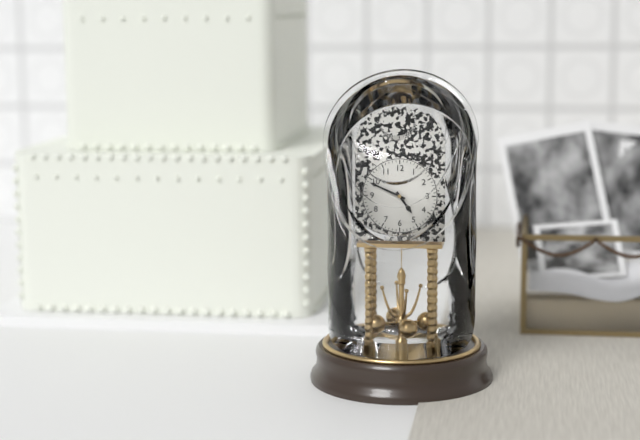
4:49
